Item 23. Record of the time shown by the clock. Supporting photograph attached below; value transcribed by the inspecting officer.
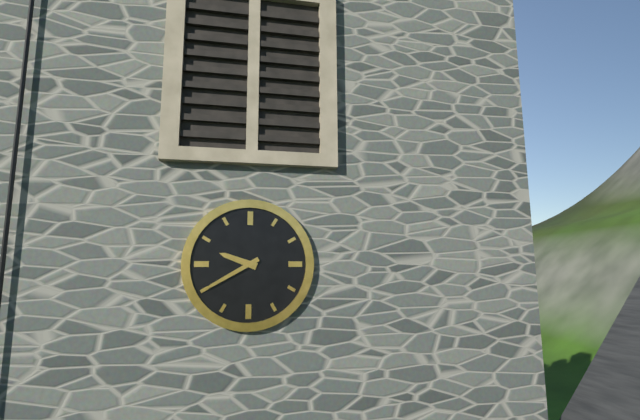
9:40
